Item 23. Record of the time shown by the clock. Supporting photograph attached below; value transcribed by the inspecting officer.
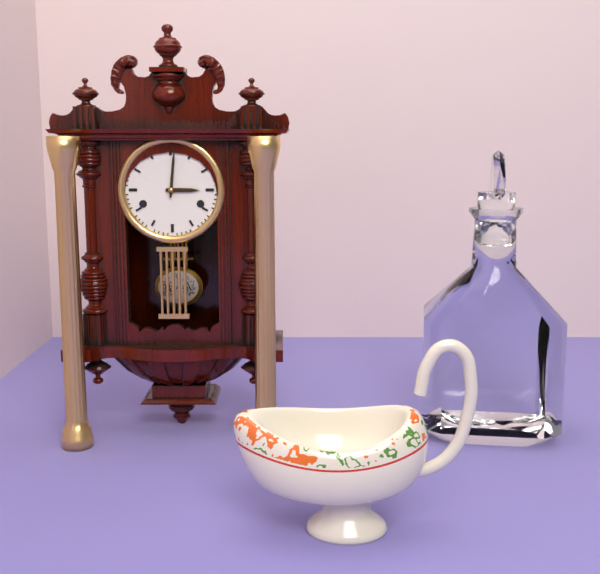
3:01
